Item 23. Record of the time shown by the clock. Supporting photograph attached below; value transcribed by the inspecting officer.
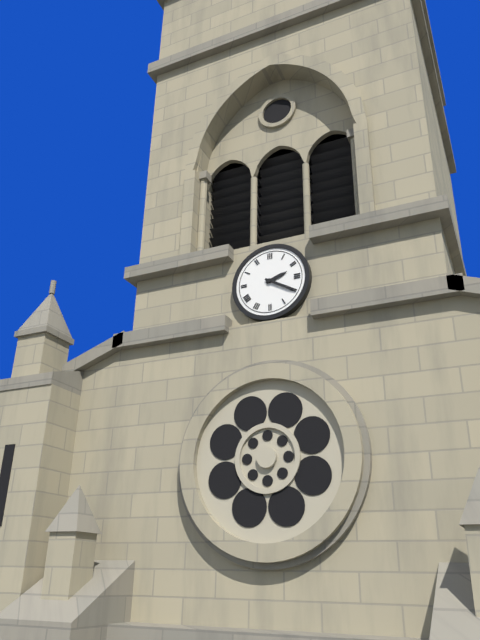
2:20
